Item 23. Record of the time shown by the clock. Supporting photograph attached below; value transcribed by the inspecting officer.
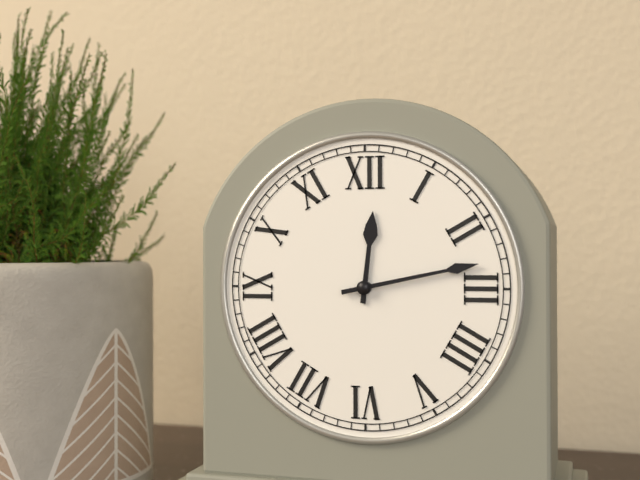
12:13
